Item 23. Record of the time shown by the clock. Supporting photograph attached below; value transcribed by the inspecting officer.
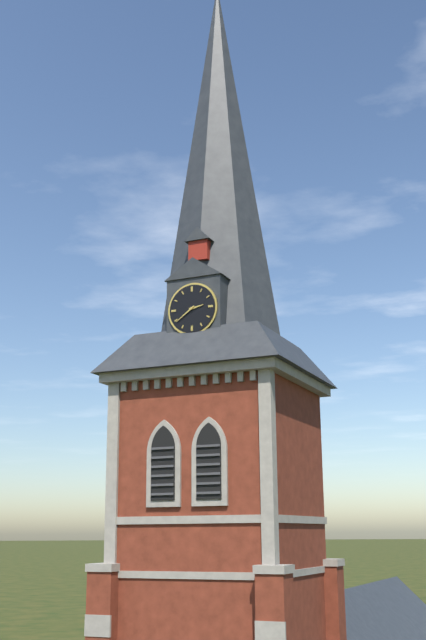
2:39
